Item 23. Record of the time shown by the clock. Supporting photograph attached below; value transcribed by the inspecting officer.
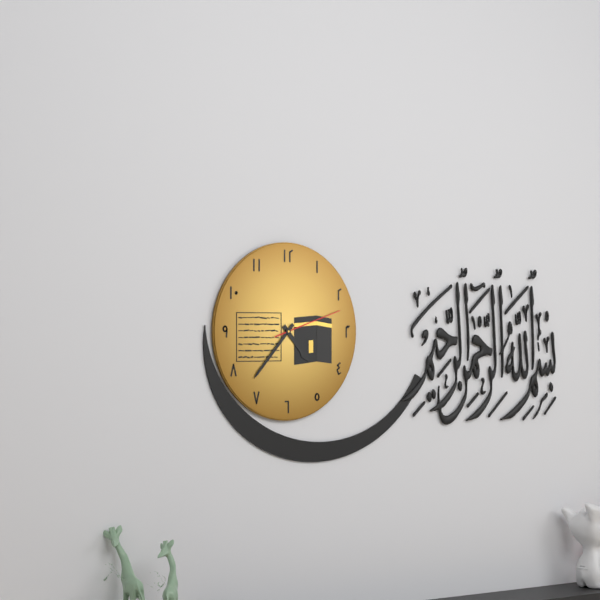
4:37:12
